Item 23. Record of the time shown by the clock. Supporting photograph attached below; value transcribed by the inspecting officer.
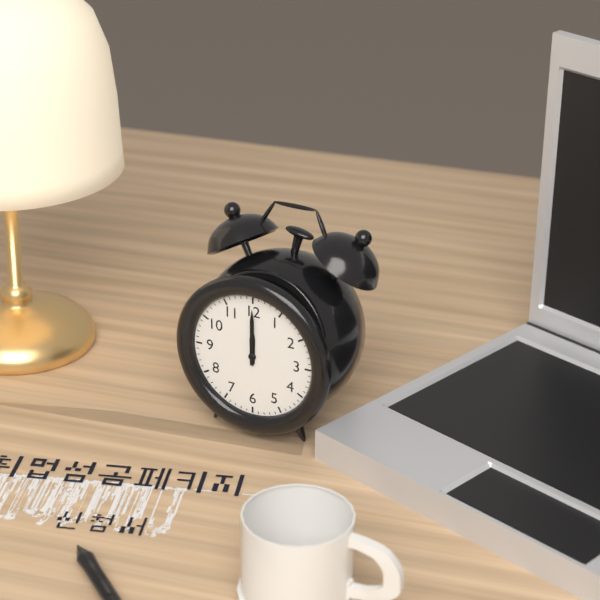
12:00
